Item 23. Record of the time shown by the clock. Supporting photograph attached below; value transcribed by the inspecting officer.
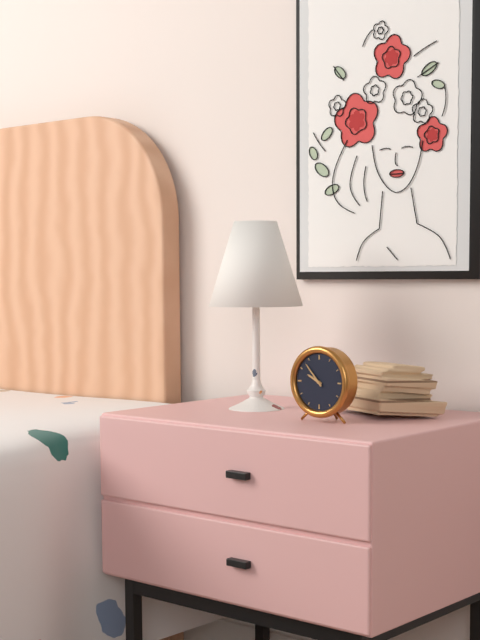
9:53
